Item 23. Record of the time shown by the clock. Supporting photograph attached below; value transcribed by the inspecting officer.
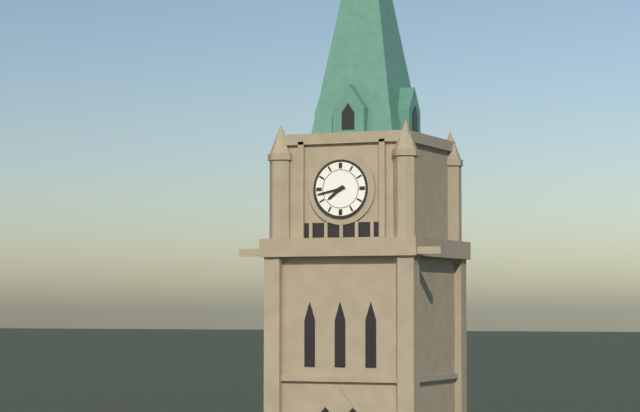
7:43
